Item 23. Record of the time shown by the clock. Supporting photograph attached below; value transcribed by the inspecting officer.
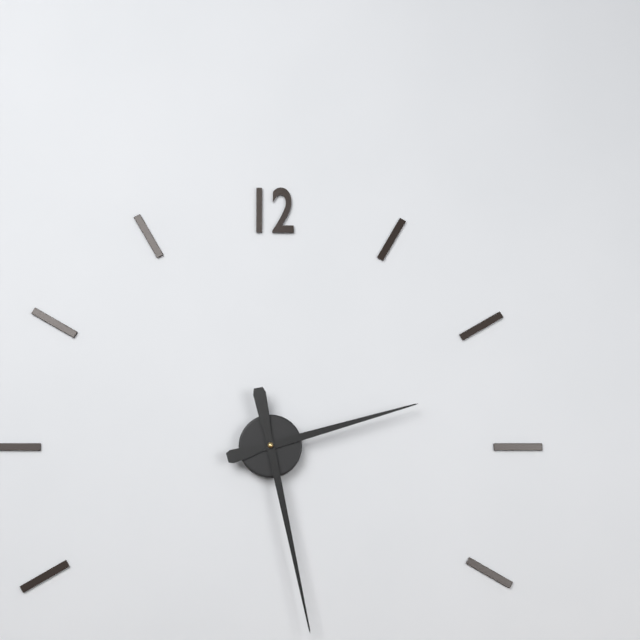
2:28
